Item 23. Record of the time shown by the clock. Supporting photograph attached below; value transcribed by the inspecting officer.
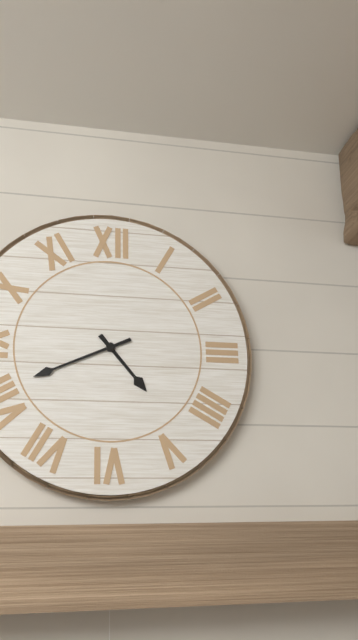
4:41
